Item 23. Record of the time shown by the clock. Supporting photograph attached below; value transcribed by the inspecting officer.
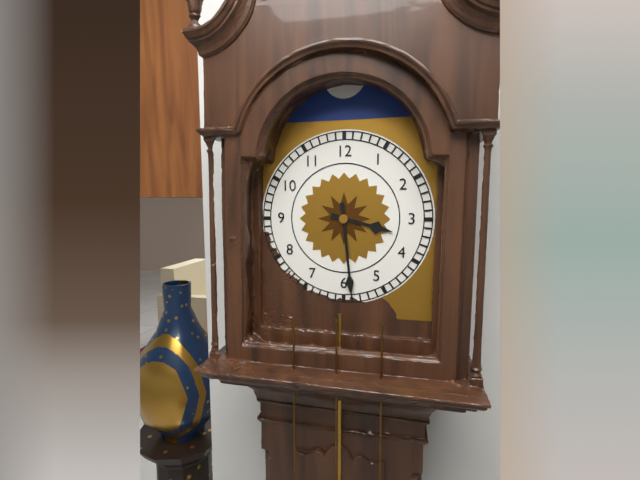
3:29
